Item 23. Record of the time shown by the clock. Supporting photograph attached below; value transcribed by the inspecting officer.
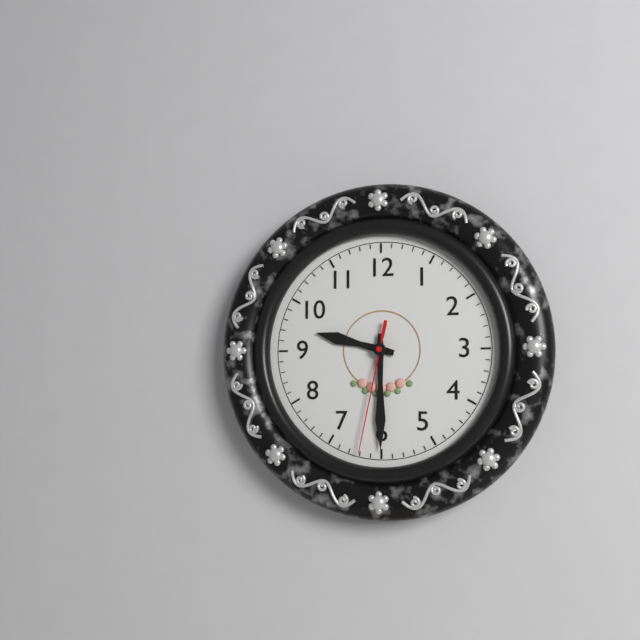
9:30:32
